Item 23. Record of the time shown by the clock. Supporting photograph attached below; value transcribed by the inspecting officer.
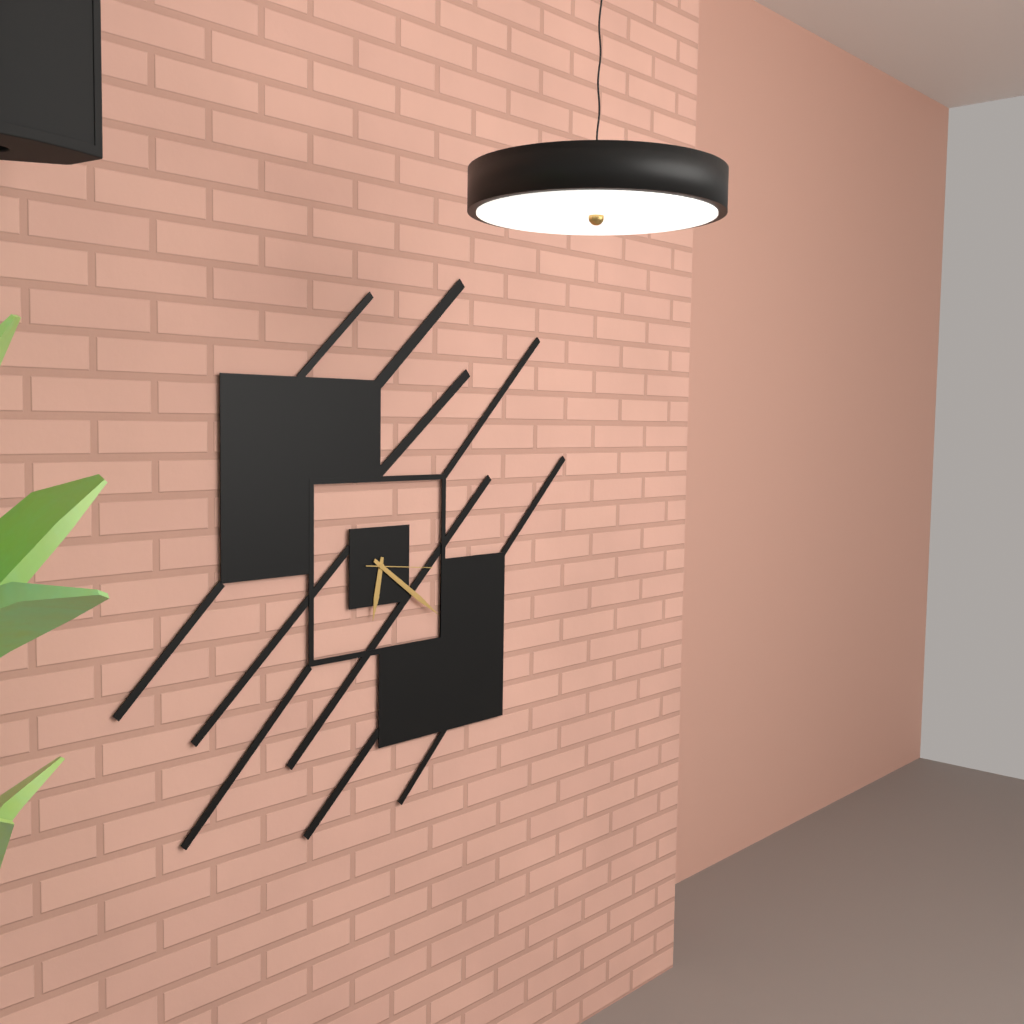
6:21:16
